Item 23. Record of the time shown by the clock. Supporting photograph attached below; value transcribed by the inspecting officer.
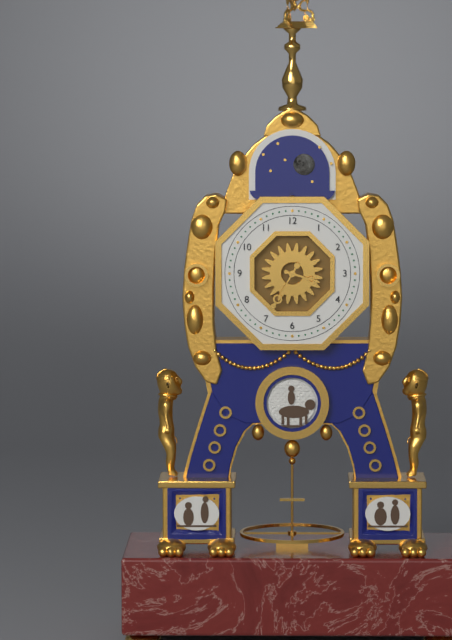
3:35
